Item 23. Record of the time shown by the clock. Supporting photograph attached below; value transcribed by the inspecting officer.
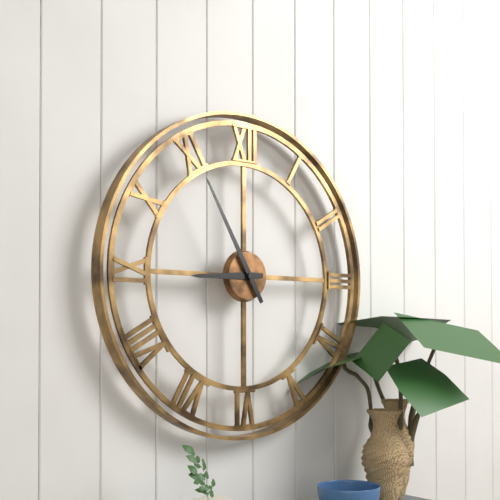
8:55
